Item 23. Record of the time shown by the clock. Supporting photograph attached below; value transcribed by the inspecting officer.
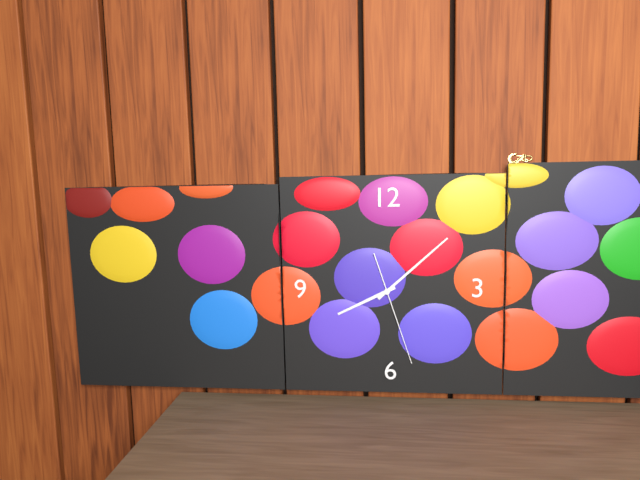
8:08:27
